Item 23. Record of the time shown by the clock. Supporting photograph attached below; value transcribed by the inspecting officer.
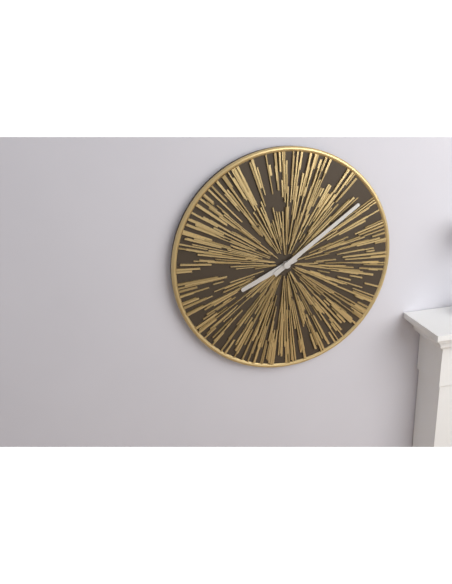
8:09
